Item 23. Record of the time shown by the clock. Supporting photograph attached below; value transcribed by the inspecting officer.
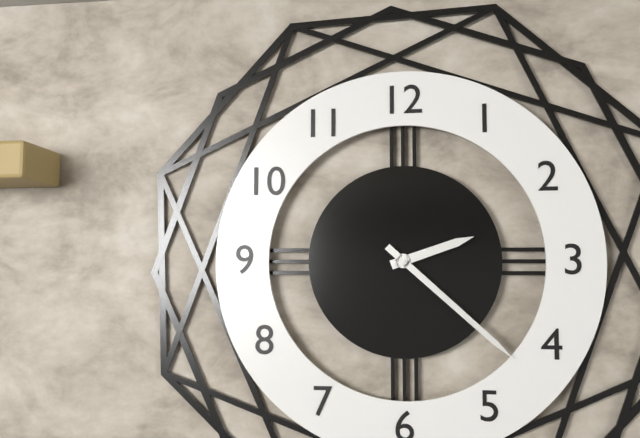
2:22
